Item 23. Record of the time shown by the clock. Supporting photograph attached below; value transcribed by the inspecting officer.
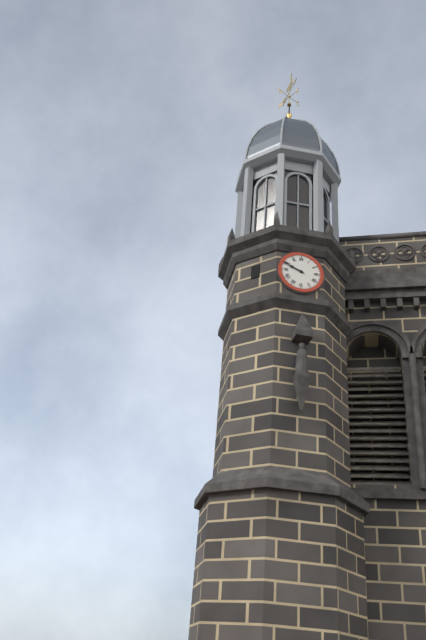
9:49
